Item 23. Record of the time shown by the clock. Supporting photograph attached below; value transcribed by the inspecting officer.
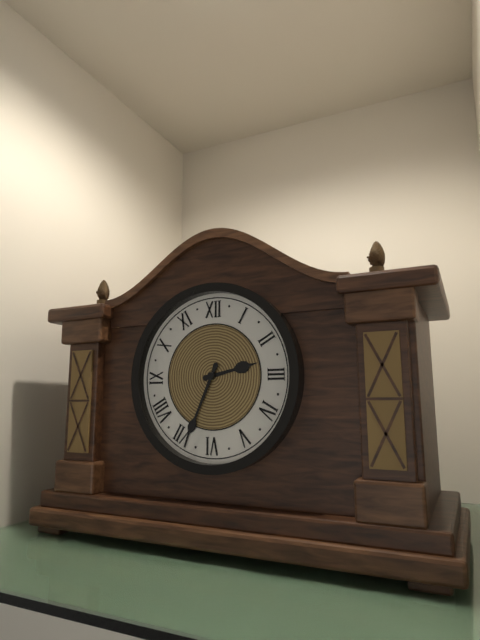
2:34
